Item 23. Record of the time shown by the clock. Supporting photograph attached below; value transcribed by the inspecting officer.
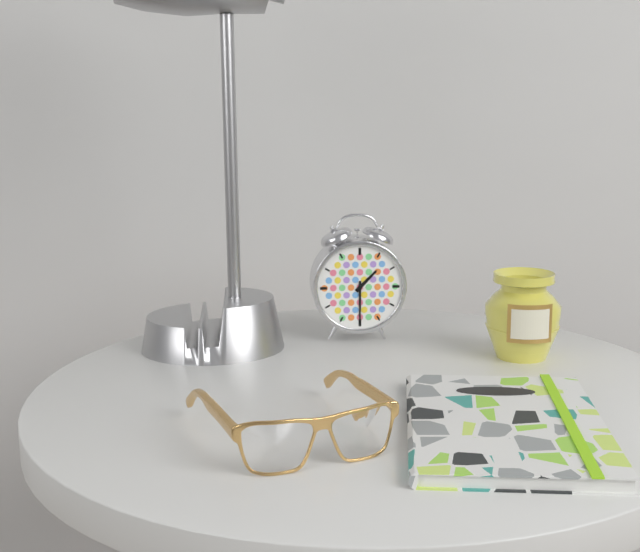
1:30
